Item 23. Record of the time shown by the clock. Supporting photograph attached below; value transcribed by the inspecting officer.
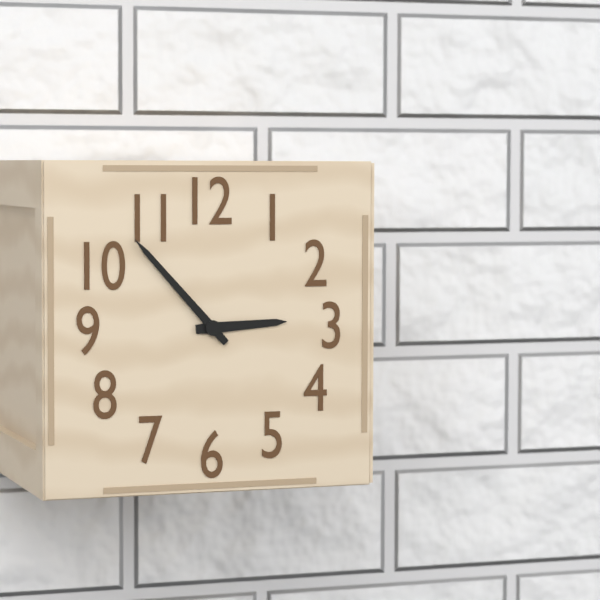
2:53
